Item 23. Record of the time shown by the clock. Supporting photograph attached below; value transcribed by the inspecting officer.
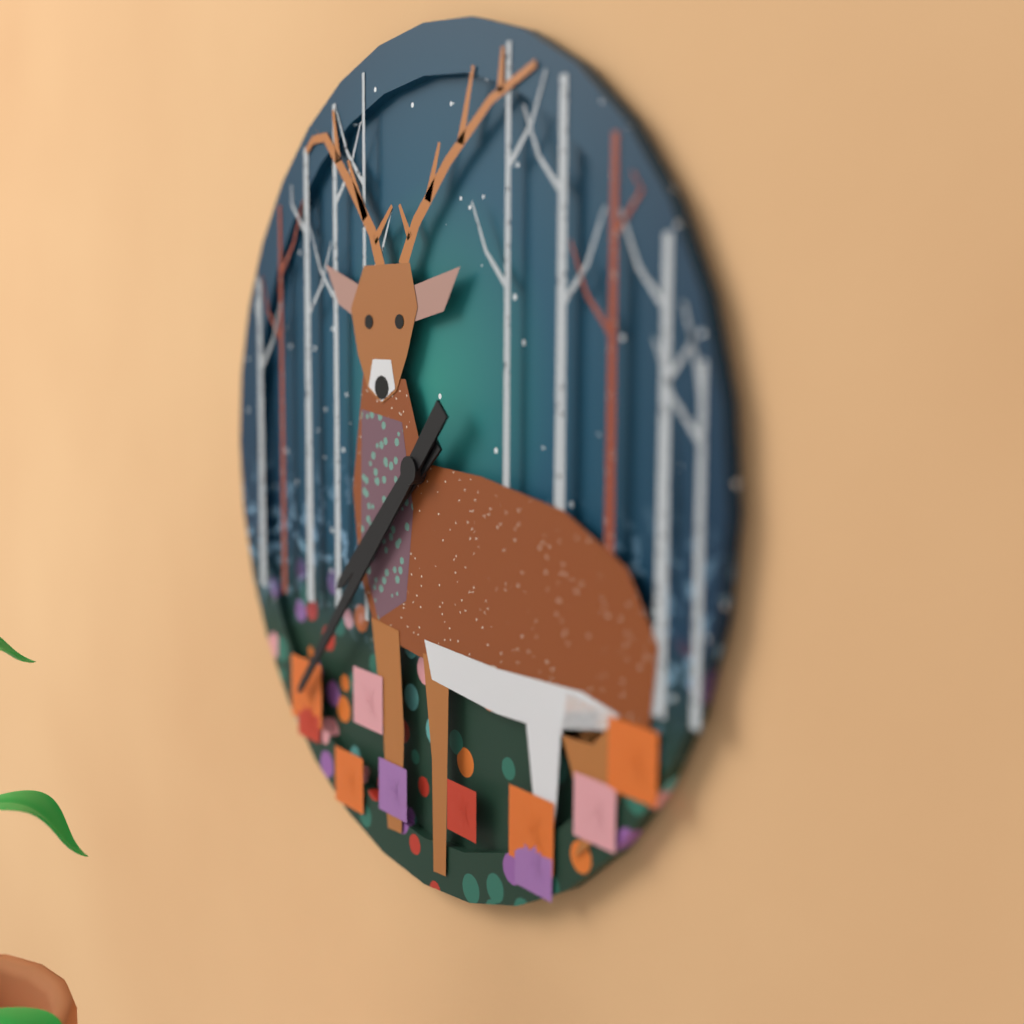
7:37
